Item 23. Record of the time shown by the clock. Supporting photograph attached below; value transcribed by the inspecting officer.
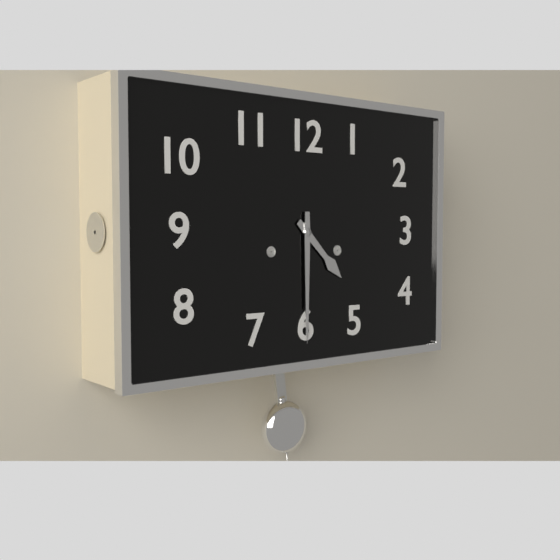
4:30
